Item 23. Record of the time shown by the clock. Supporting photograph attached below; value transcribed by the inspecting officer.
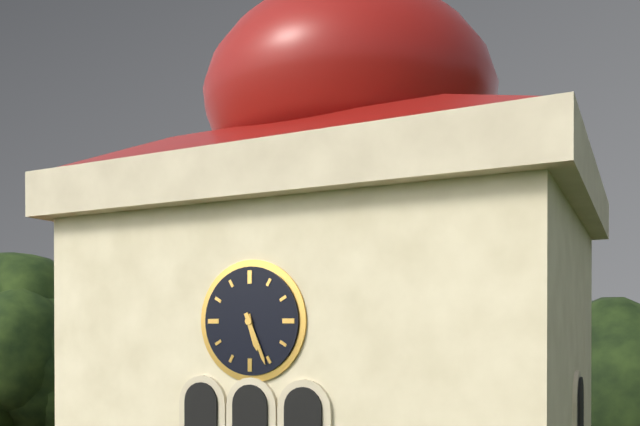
5:26
